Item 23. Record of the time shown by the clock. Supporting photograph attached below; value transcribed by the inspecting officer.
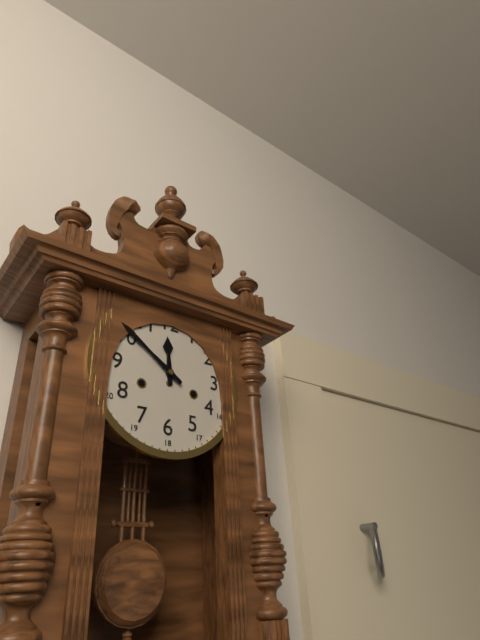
11:51
